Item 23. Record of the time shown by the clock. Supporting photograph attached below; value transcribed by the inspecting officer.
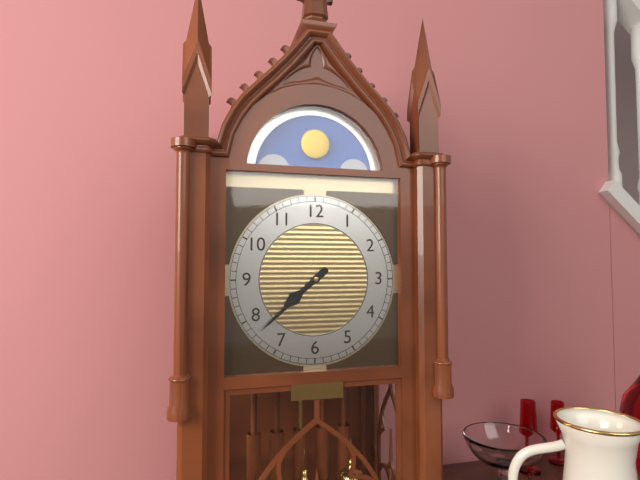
7:38
